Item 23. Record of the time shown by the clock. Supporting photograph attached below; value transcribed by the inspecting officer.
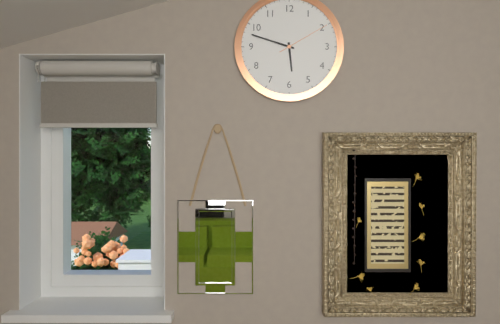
5:48:10
